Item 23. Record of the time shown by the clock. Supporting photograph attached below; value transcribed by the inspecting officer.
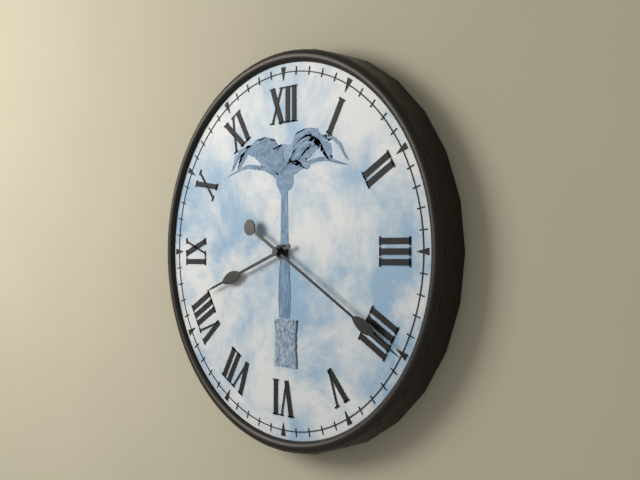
8:20
